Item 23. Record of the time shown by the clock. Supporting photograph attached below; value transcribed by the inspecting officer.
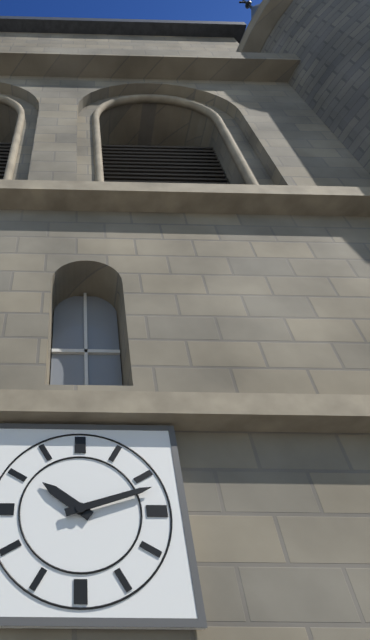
10:12
